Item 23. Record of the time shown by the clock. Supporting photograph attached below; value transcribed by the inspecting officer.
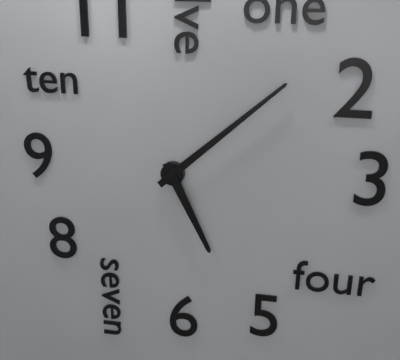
5:08
